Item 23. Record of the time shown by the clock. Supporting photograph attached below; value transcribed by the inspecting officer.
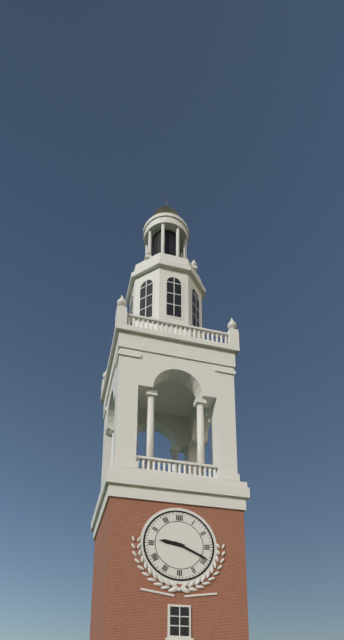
9:19
